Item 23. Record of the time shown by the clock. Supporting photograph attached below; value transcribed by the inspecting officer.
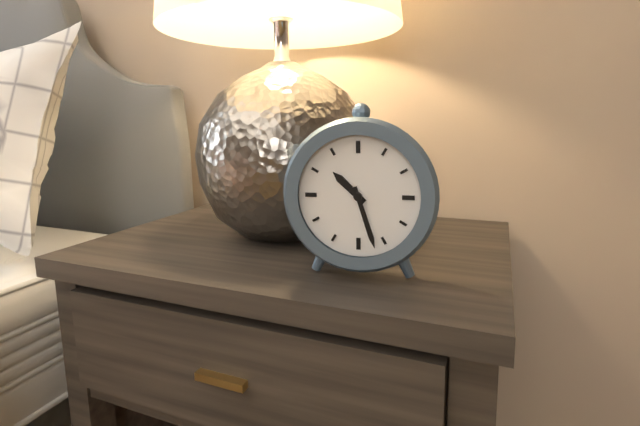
10:27
